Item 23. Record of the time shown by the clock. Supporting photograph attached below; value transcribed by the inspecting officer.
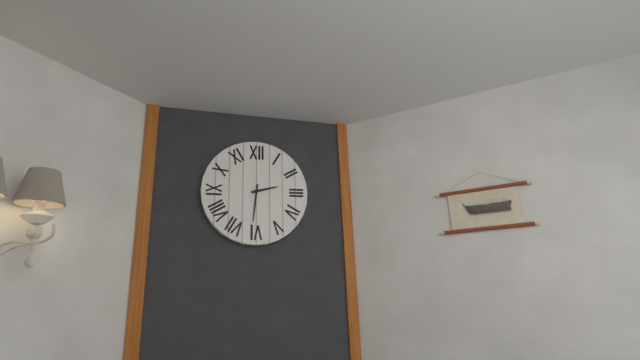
2:31
